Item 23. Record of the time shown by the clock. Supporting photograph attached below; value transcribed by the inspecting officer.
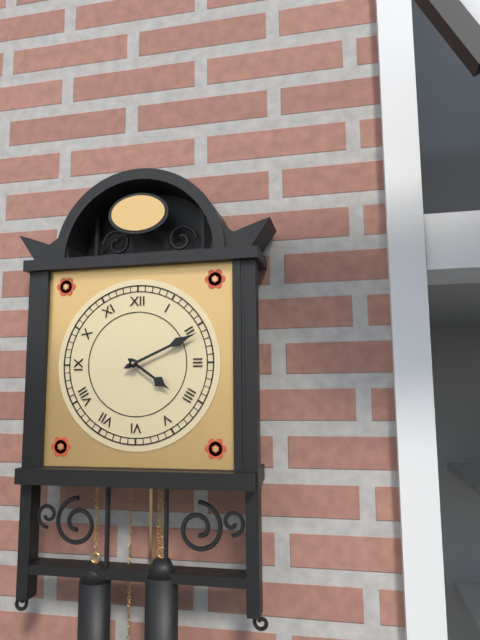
4:11
